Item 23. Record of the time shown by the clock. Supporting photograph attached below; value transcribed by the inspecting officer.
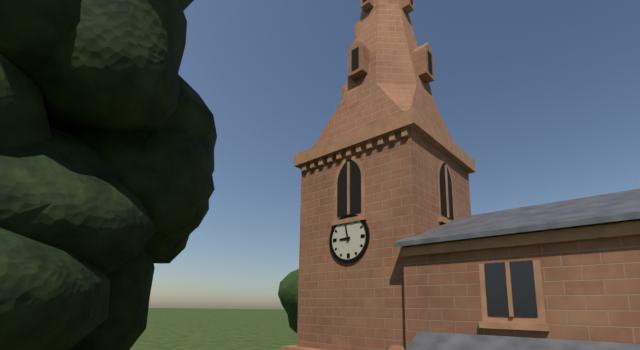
8:58
